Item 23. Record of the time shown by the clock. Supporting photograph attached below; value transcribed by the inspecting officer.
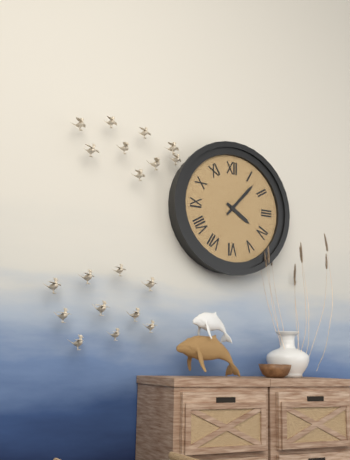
4:07
